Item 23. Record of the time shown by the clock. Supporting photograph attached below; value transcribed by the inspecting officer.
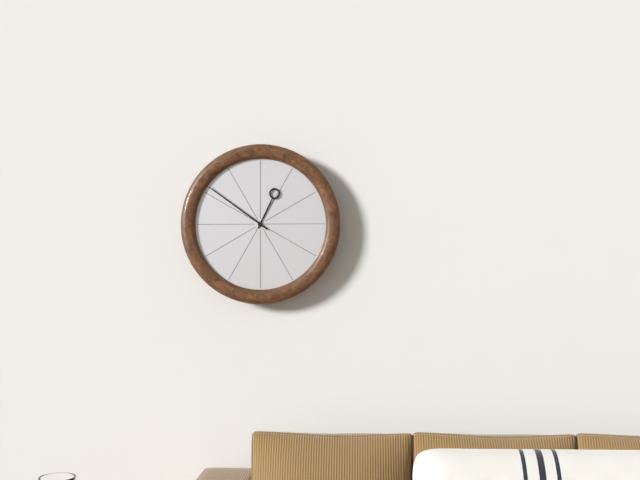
12:51
